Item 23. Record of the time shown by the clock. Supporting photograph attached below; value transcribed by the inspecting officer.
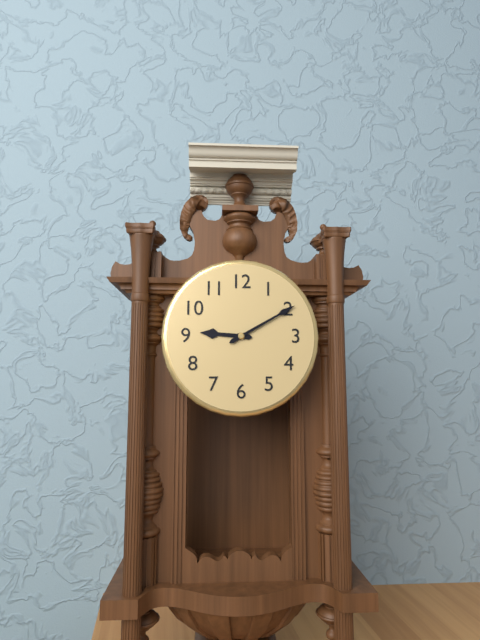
9:10
